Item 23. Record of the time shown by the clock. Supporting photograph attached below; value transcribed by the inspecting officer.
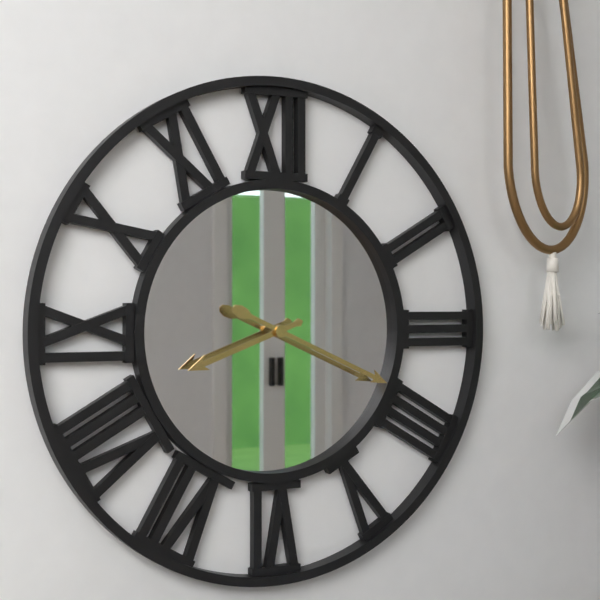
8:19
